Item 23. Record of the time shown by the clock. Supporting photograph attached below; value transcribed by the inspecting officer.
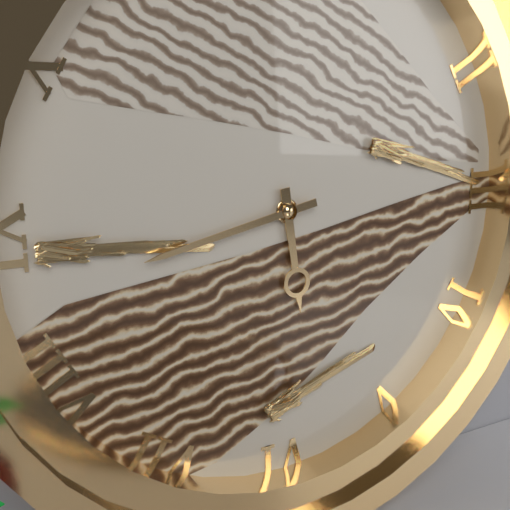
5:43
